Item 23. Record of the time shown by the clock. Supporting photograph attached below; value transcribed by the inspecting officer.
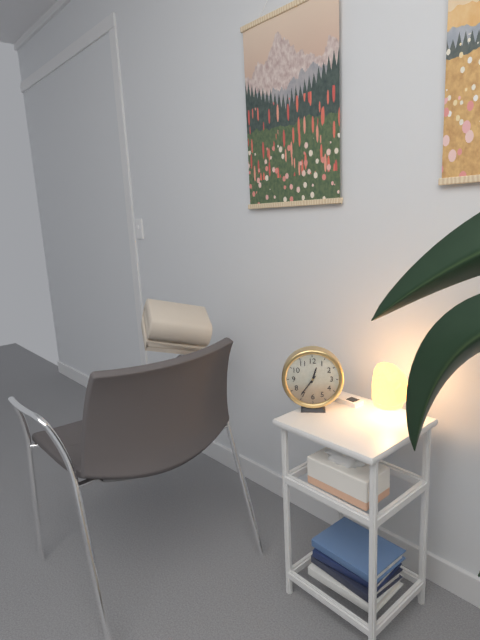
12:36
